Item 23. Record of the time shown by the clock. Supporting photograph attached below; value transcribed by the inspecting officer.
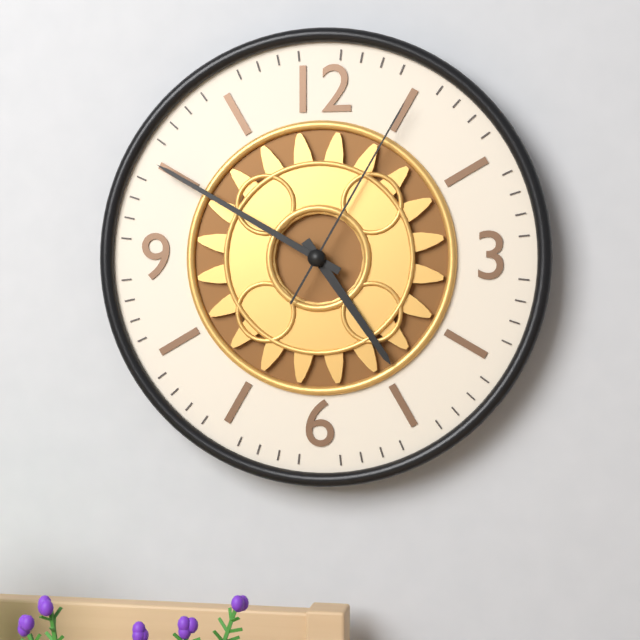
4:50:05
